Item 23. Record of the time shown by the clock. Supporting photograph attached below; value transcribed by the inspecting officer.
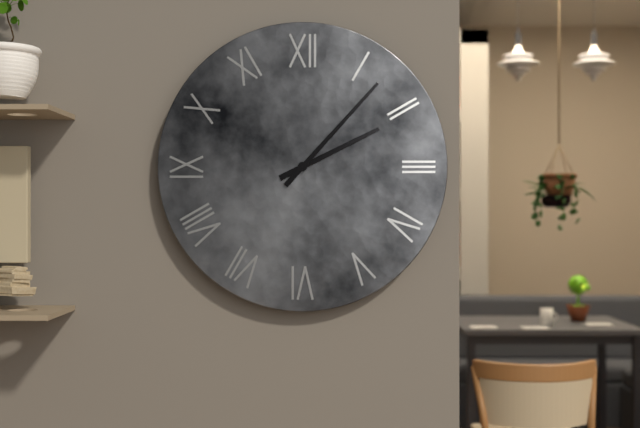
2:07
